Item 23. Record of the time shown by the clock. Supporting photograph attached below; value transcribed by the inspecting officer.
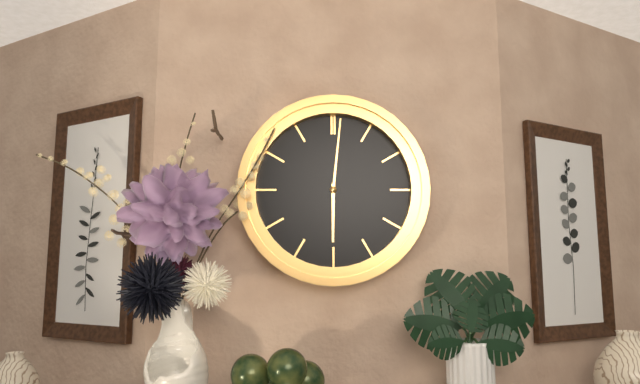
6:01
